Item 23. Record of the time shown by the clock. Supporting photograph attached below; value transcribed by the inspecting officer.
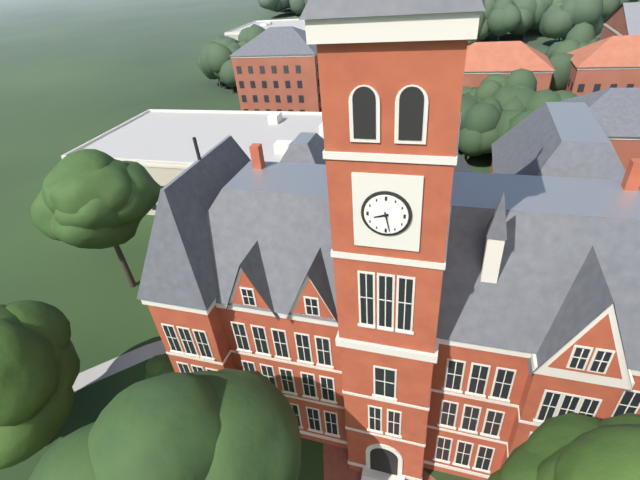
8:28
